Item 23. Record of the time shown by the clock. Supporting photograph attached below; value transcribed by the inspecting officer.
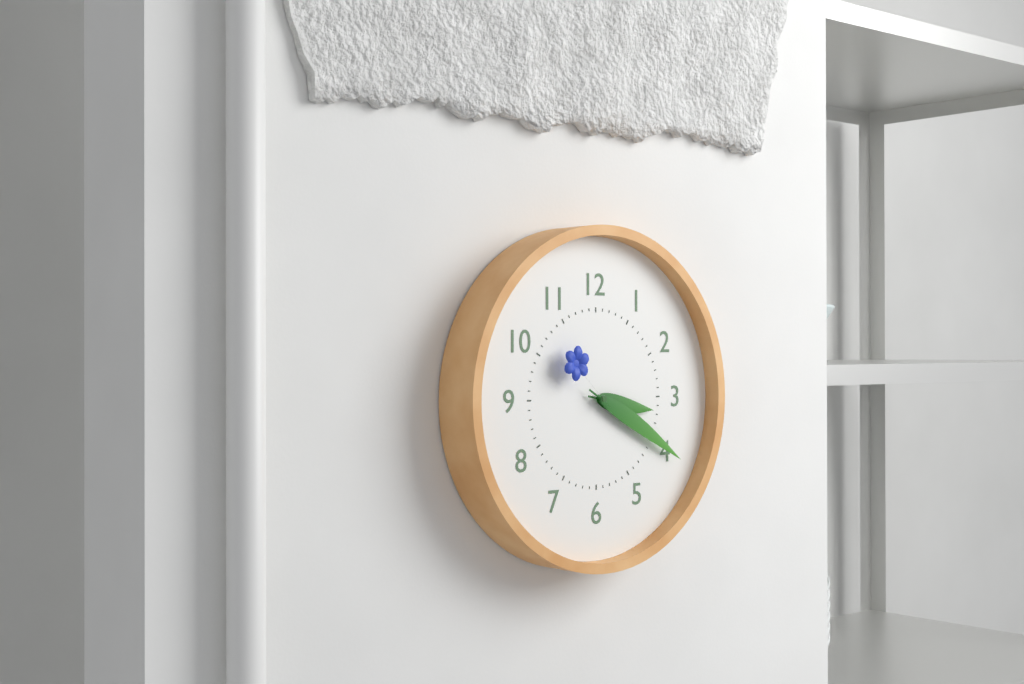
3:20:52
